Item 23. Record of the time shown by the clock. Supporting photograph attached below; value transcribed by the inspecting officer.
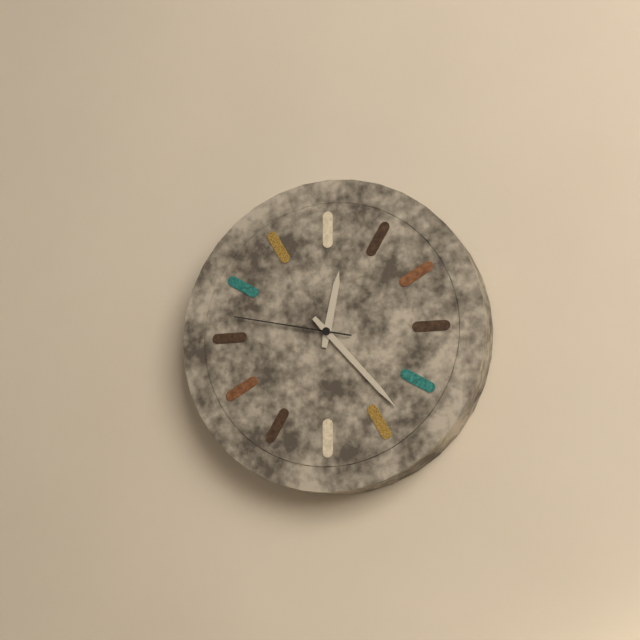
12:23:47
